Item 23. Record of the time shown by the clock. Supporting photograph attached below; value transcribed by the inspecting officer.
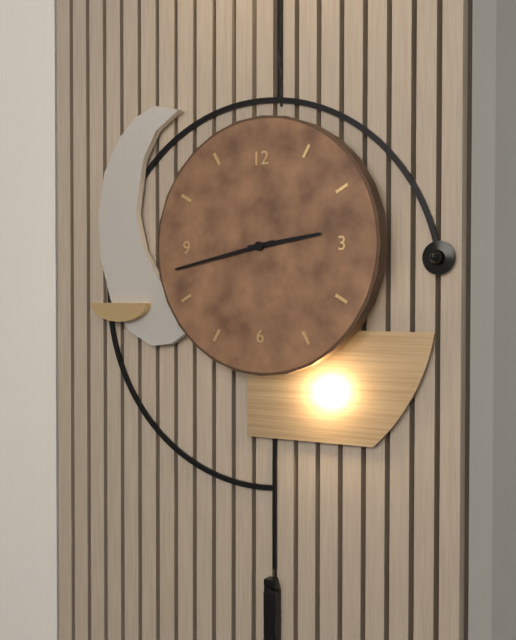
2:43
